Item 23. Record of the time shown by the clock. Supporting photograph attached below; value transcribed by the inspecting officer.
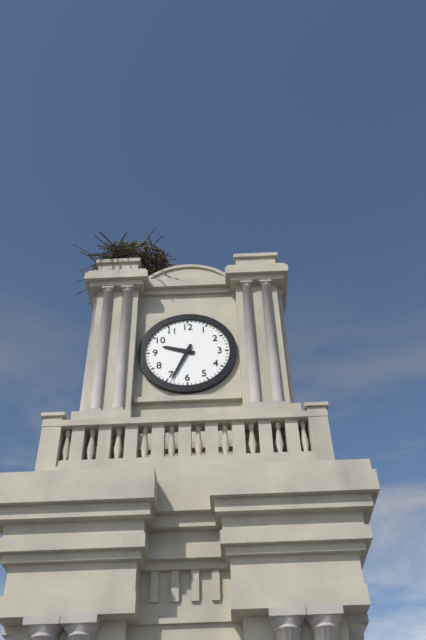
9:34
